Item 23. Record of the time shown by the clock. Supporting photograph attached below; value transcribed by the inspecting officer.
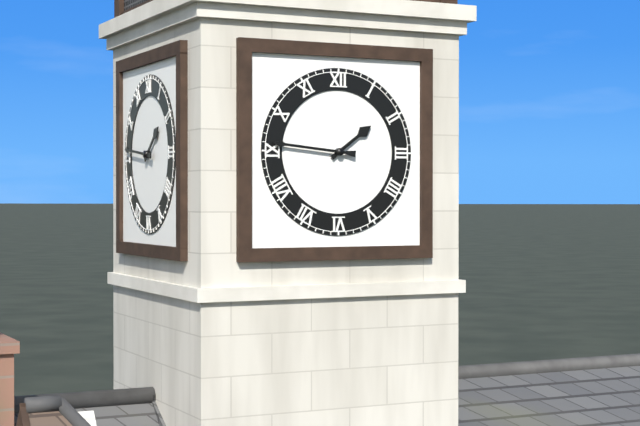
1:46
